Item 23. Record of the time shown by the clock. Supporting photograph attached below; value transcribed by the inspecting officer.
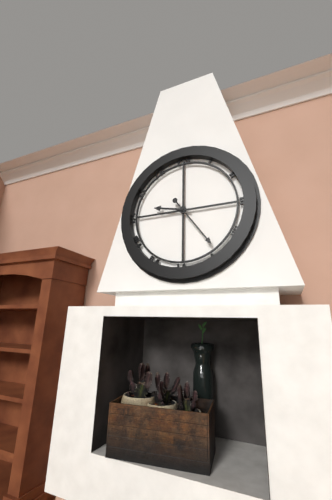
9:24
